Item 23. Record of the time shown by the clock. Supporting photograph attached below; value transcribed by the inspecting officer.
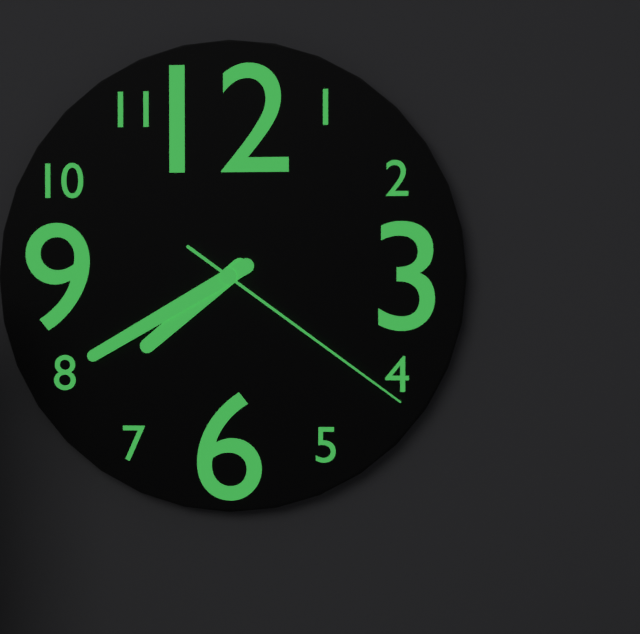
7:40:21
